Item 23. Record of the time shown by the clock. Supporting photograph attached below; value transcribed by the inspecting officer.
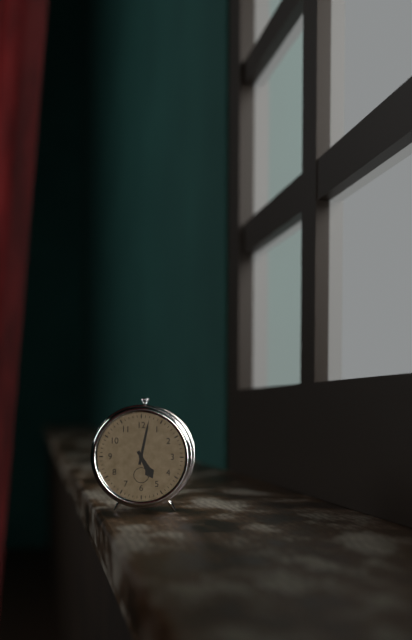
5:02
